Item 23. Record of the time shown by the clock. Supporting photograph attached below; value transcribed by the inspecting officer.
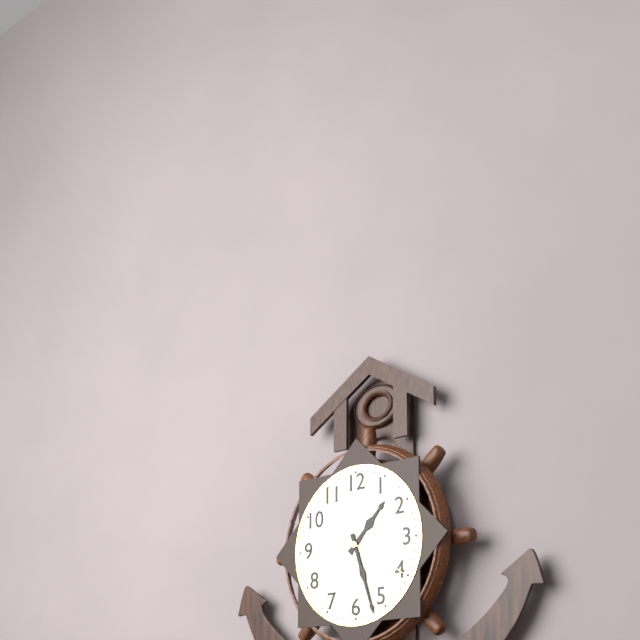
1:27:20
